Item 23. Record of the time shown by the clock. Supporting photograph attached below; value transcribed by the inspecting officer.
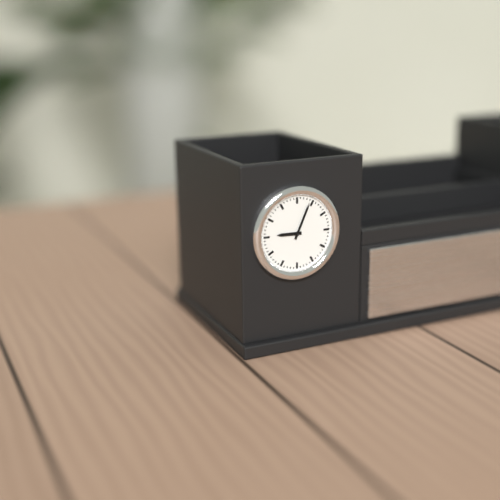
9:04
